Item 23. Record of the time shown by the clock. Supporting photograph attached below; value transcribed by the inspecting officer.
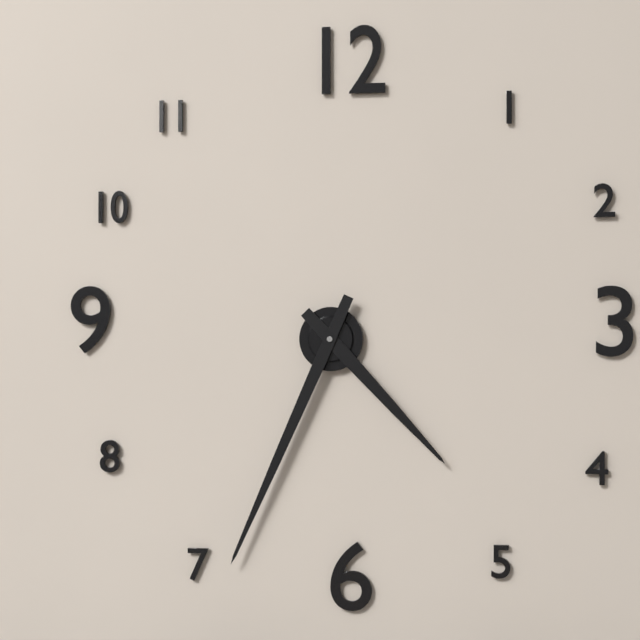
4:34
